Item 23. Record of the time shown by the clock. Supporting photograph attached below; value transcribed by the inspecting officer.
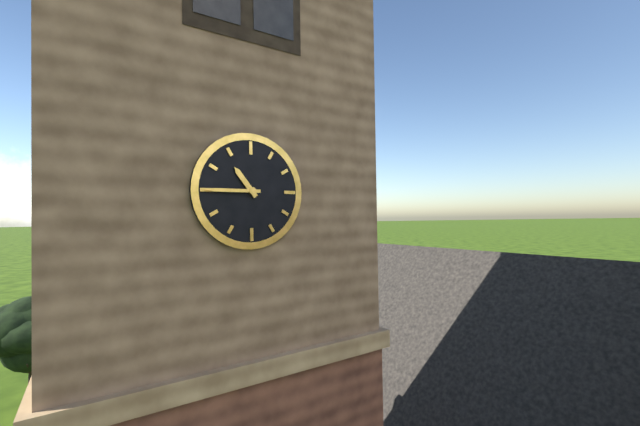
10:45
